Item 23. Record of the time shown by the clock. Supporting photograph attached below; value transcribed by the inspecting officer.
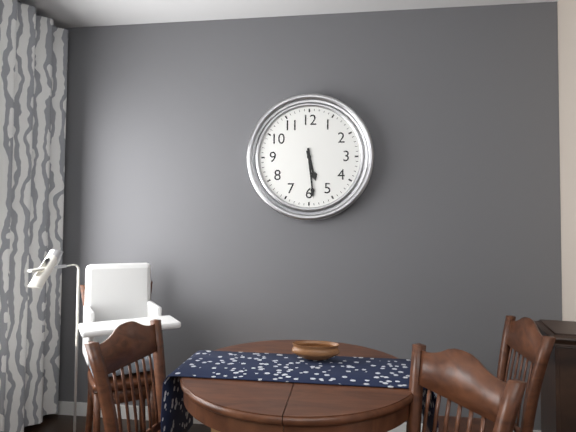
5:29
